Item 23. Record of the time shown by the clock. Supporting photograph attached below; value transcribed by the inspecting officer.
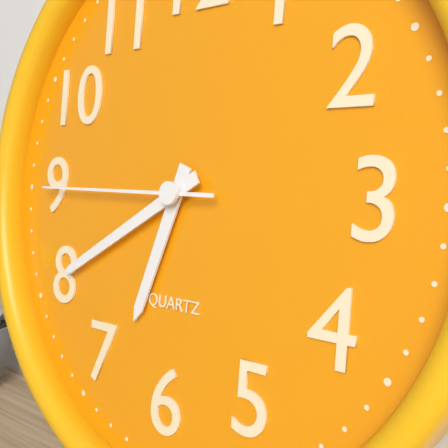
6:40:45
